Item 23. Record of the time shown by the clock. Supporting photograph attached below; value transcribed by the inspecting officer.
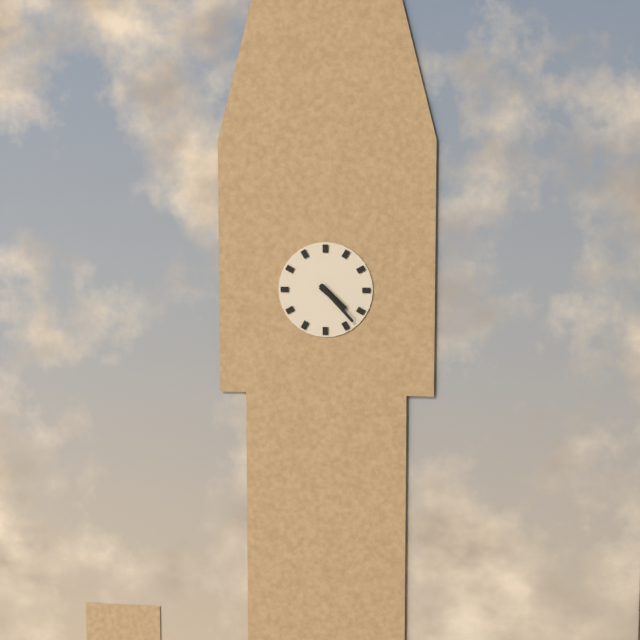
4:23
